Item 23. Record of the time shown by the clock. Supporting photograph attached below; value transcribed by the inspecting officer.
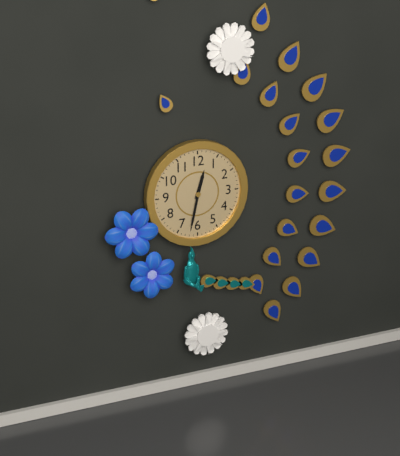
12:32
